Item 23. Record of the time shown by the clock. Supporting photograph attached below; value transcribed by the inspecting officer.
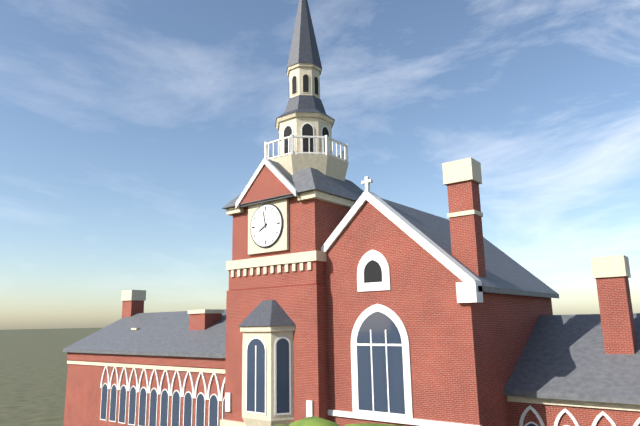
7:58
